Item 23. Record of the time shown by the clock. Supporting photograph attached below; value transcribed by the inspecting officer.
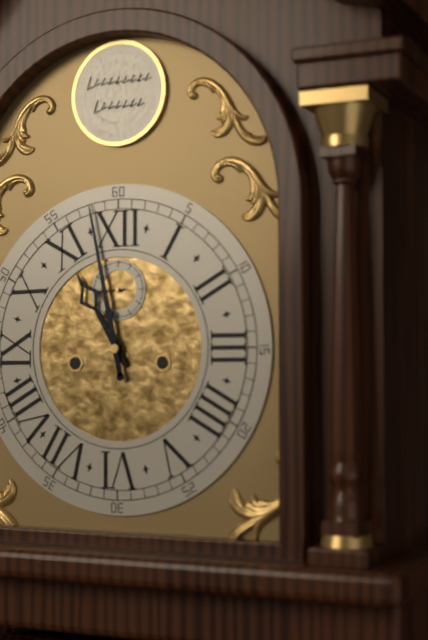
10:58:44
